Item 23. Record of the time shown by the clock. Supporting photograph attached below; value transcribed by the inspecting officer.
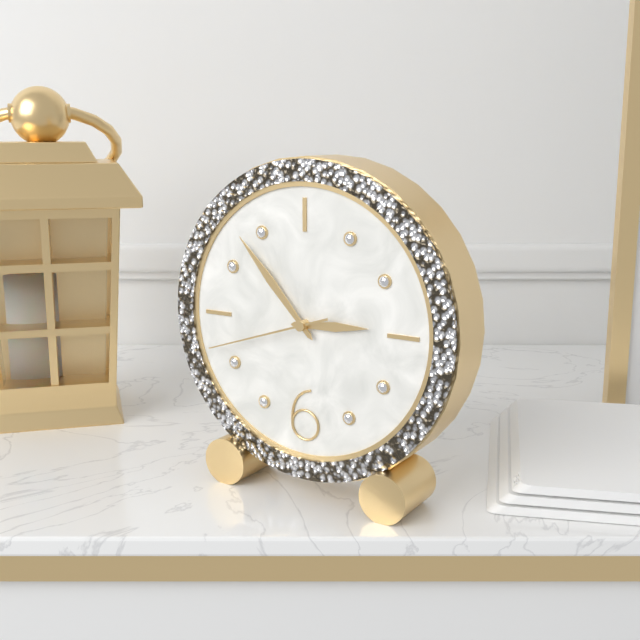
2:53:42
